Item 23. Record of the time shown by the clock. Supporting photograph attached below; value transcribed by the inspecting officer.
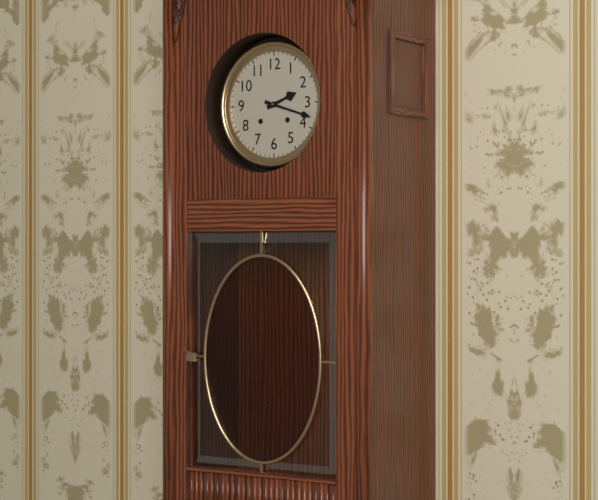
2:18
